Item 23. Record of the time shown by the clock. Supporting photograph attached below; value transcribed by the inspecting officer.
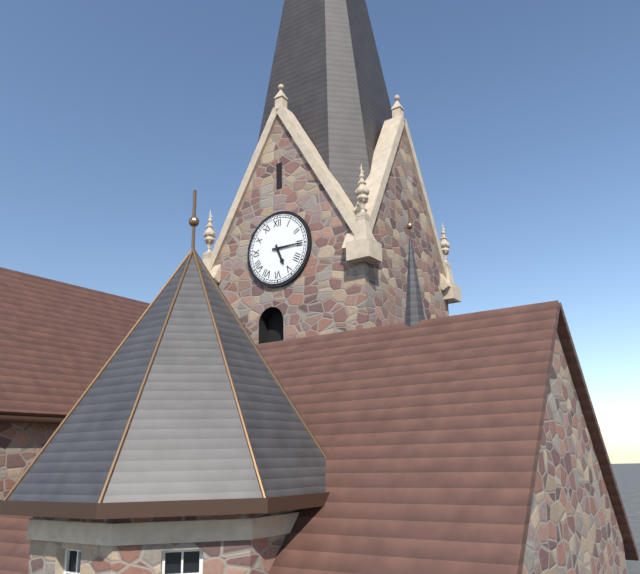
5:15
